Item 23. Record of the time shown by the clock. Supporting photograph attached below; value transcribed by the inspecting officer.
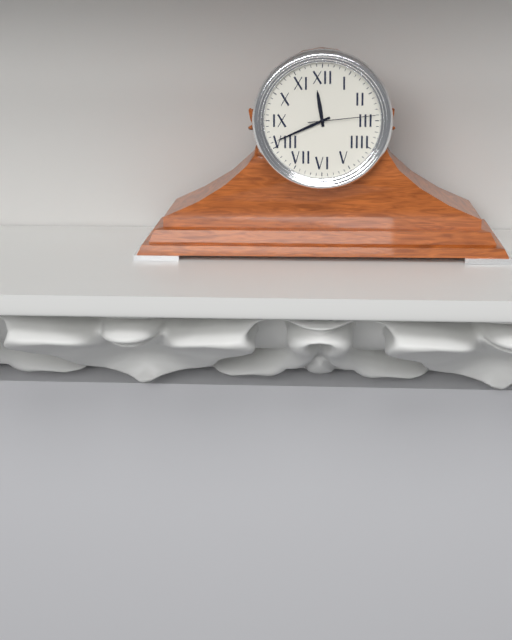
11:41:14
